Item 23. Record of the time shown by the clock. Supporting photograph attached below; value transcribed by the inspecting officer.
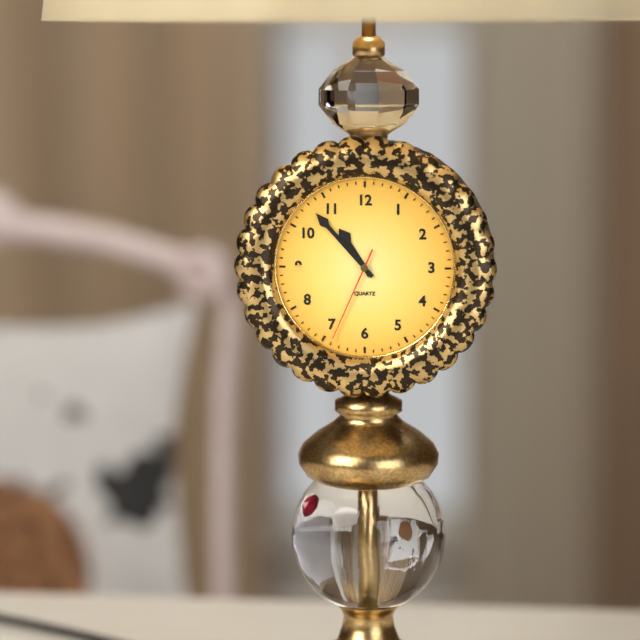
10:53:34
